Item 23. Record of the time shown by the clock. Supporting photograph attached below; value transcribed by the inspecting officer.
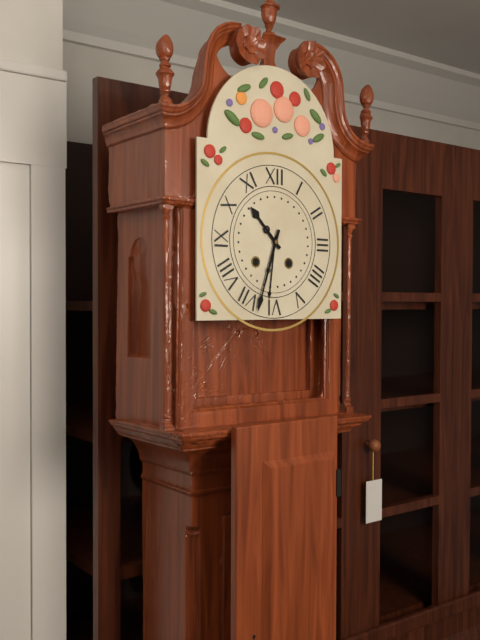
10:33
